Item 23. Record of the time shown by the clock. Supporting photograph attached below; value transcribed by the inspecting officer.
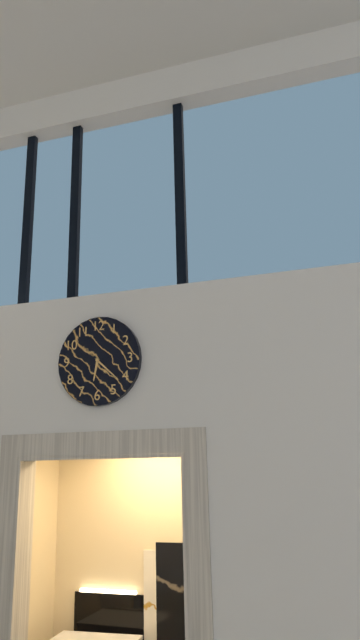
6:22
